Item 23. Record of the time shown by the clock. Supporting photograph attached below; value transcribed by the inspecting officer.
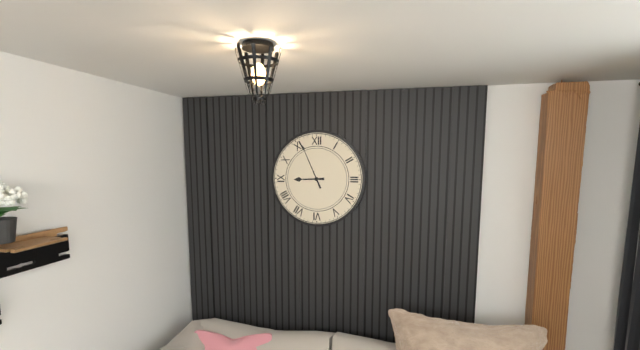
8:56
